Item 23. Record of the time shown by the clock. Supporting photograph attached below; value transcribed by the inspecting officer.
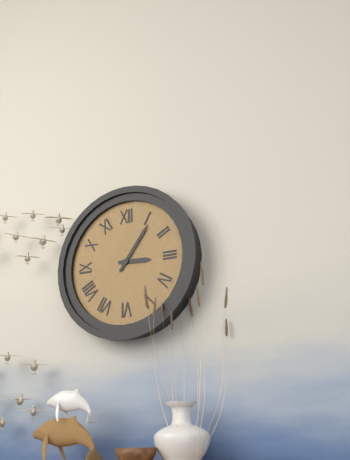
3:06
